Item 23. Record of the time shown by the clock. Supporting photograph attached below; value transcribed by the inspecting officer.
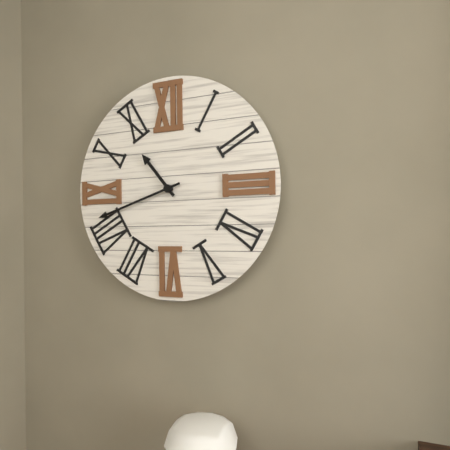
10:42
